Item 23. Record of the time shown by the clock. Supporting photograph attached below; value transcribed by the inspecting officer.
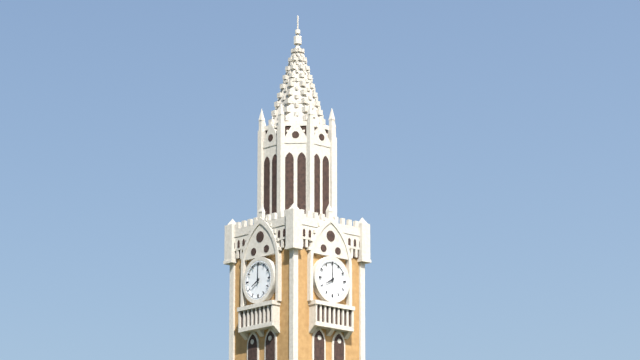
8:00
